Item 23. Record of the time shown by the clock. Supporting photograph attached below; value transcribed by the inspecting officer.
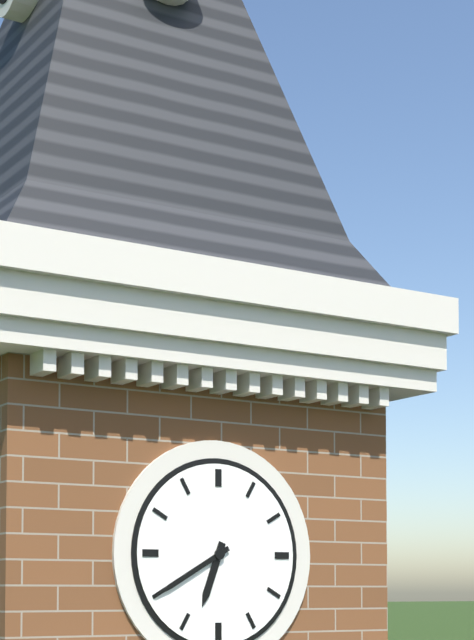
6:40
